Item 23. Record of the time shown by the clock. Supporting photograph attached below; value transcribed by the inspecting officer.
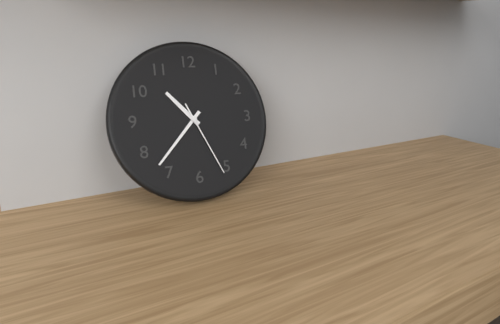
10:37:26
